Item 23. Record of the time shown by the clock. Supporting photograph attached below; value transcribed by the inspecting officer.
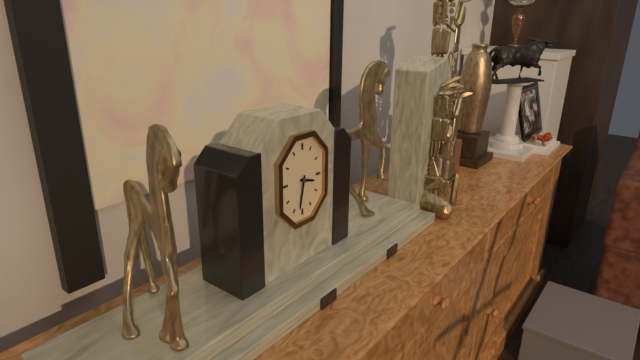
3:32
